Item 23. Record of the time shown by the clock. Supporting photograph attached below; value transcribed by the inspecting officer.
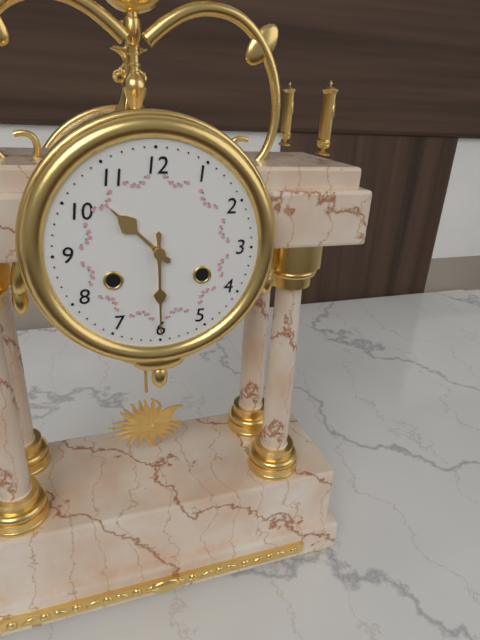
10:30
